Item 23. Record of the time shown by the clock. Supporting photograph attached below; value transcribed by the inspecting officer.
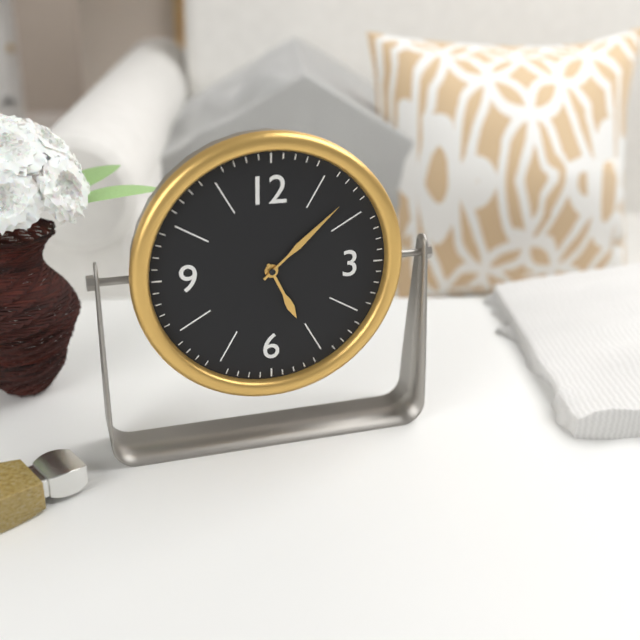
5:08
